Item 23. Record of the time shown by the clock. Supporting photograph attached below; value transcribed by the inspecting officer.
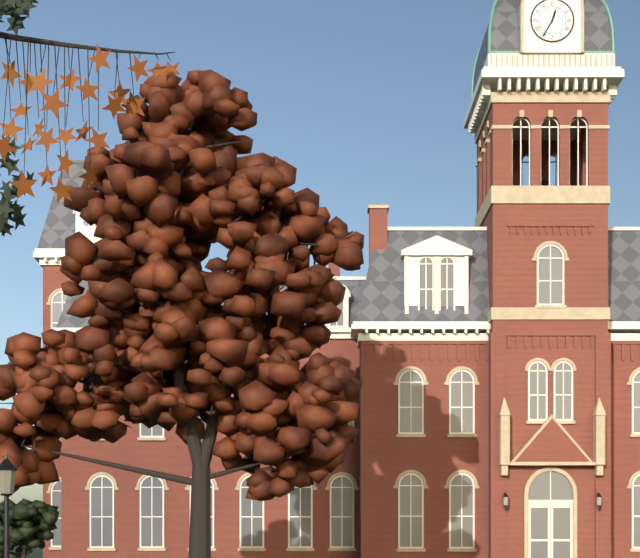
12:35
